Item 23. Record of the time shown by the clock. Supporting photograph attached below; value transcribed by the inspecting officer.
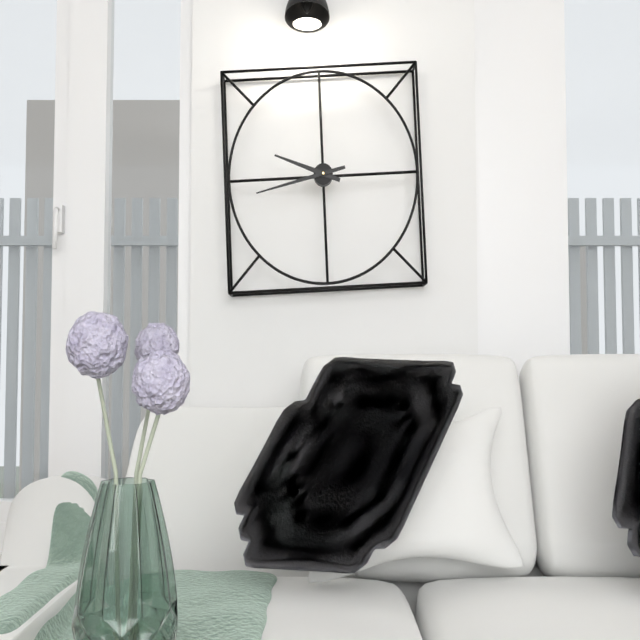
9:43
